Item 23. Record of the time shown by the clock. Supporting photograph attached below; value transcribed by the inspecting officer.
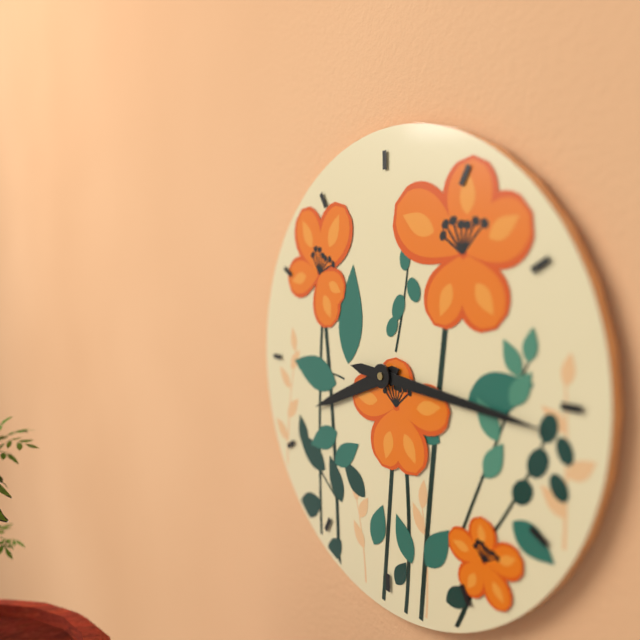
8:16
